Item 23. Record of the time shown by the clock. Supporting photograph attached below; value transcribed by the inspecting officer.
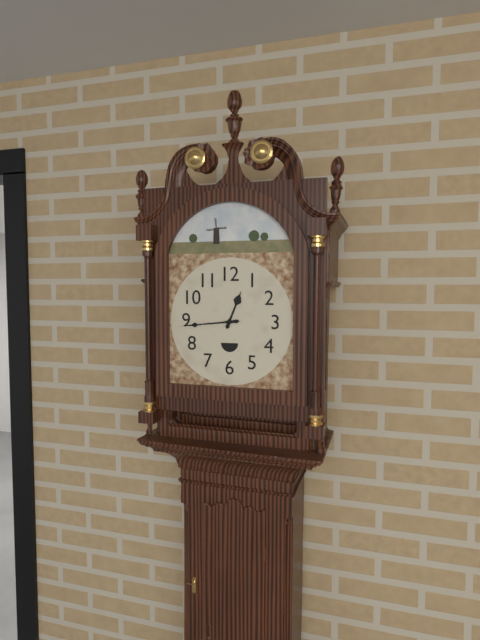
12:44
